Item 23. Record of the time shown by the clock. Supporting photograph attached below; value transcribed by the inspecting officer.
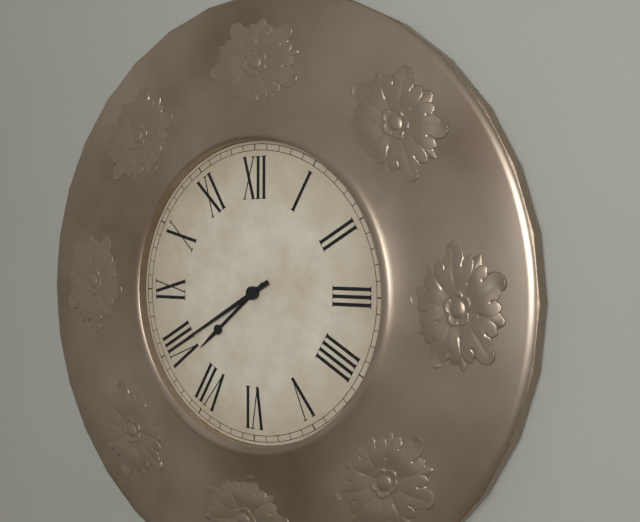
7:40
